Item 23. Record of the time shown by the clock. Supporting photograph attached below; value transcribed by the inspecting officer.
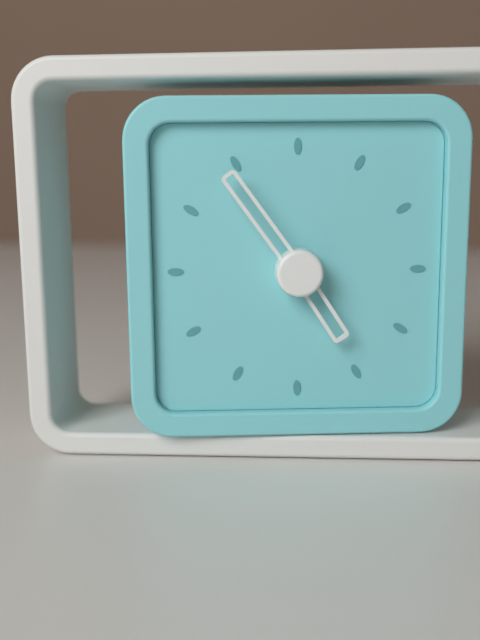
4:54
